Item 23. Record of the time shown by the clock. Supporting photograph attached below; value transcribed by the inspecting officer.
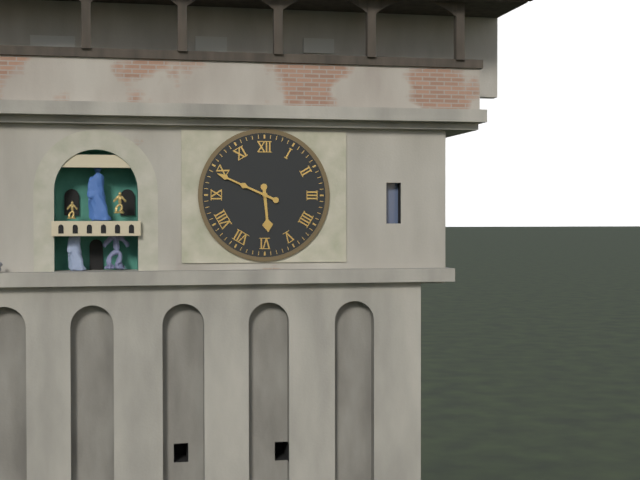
5:49
